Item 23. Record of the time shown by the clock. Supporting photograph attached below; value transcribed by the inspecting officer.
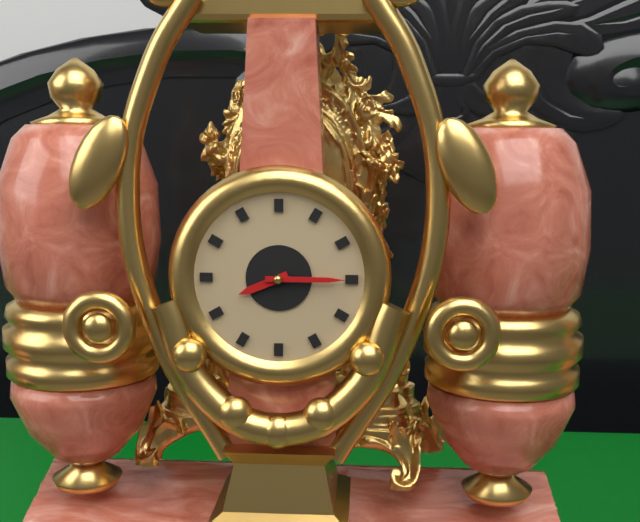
8:15
